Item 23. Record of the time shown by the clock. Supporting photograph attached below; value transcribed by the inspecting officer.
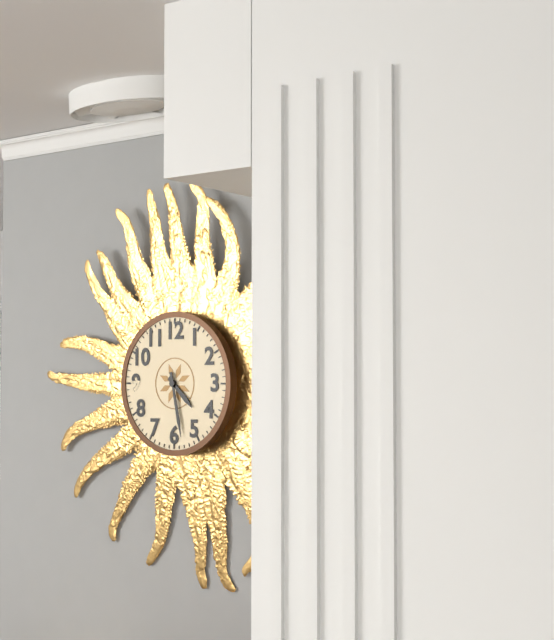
4:28
